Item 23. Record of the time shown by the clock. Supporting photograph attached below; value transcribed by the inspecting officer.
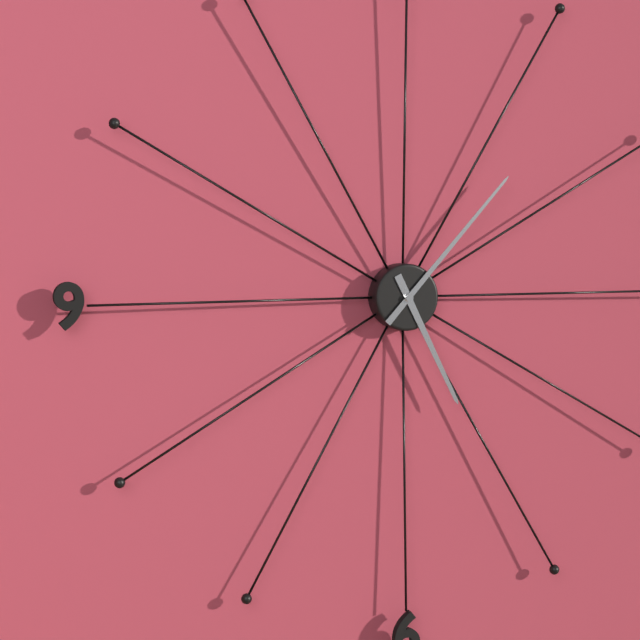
5:07
